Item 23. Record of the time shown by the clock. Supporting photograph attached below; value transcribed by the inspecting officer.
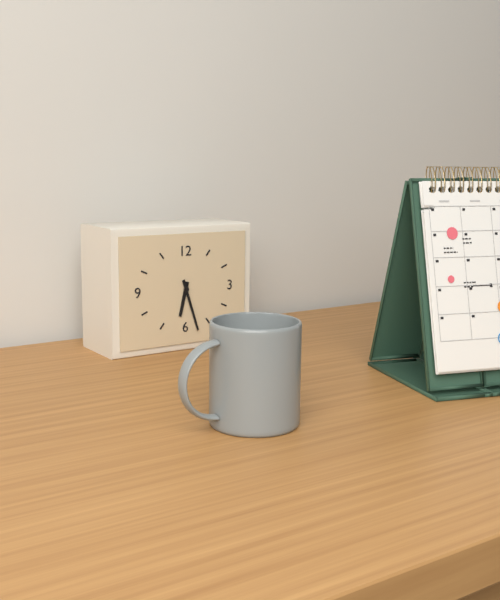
6:27
